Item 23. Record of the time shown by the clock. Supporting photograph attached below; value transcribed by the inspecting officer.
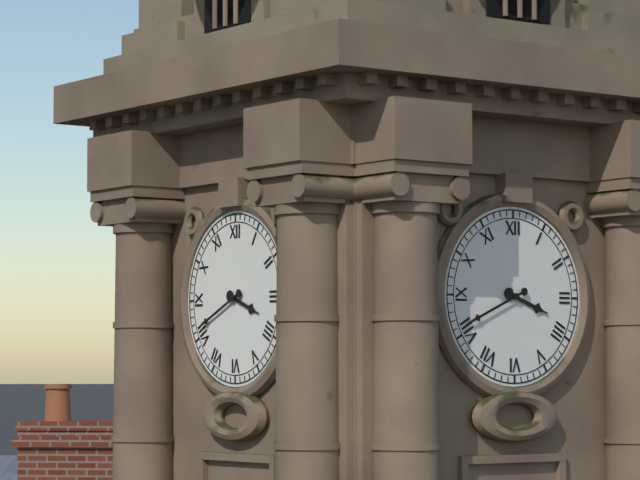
3:41
